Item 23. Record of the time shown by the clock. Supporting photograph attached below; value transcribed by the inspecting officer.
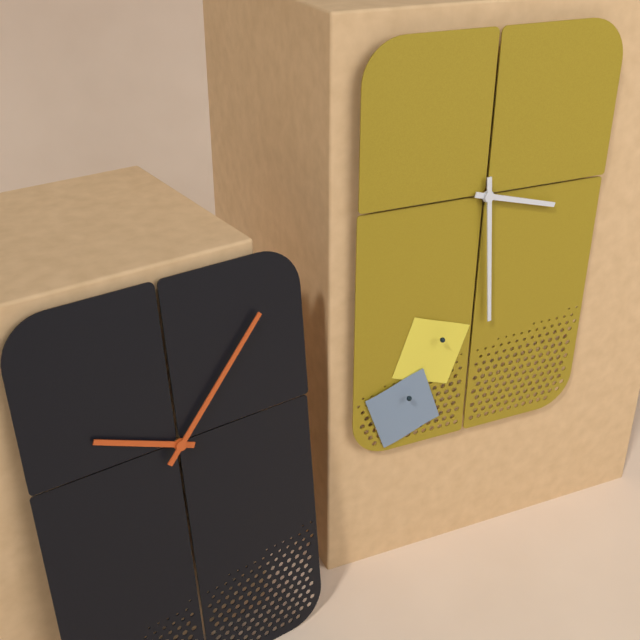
3:29
